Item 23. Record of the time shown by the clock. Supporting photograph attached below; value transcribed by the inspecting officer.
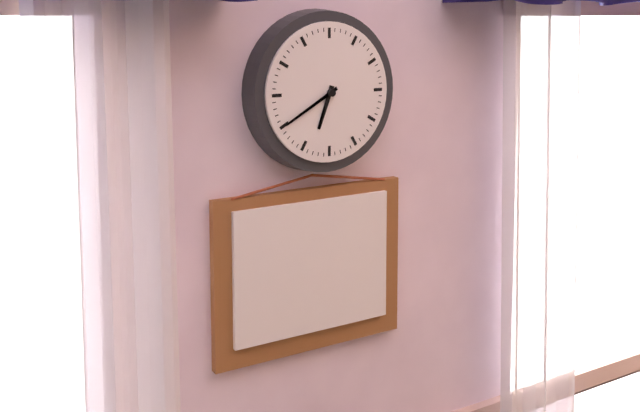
6:40
